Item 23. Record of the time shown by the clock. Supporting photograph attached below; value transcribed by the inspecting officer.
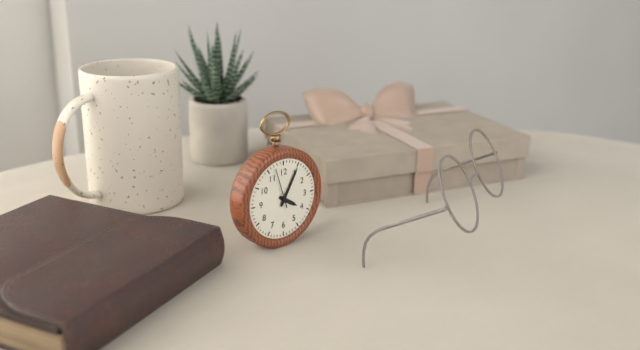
4:05
